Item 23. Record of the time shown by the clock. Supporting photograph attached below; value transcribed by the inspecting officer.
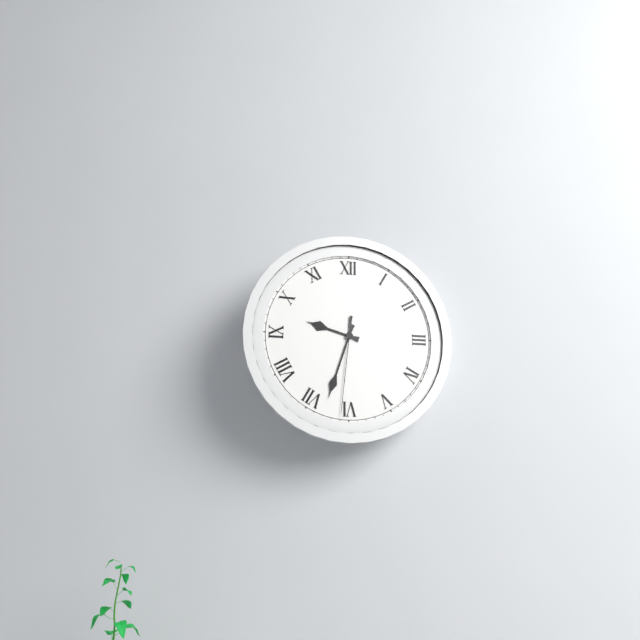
9:33:31
